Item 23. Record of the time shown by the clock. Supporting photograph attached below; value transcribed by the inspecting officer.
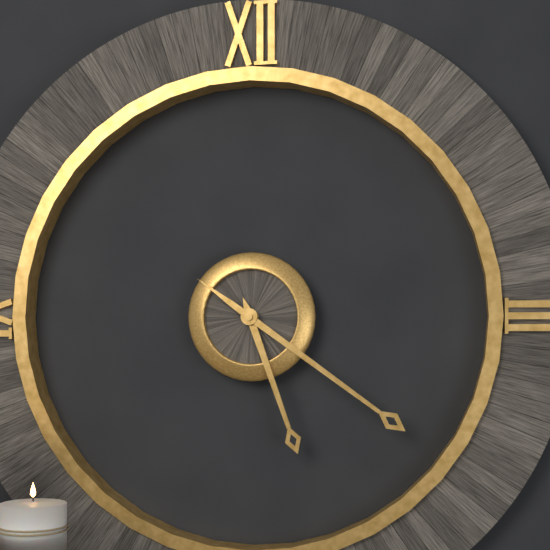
5:21
